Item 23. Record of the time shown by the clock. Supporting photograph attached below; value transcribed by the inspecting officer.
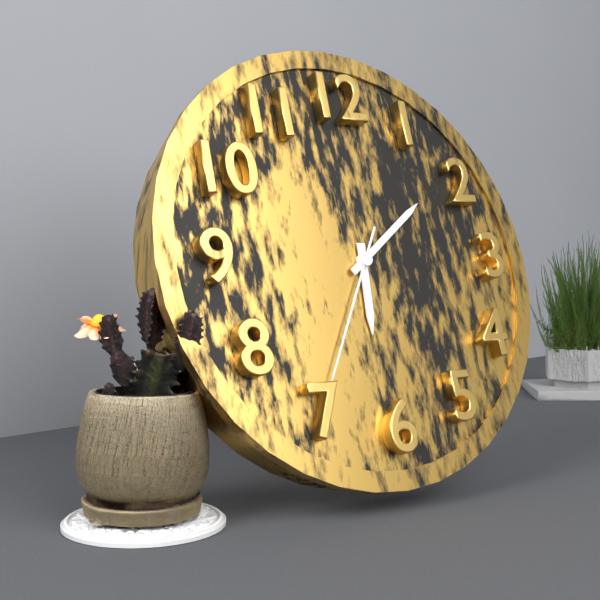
6:09:35
